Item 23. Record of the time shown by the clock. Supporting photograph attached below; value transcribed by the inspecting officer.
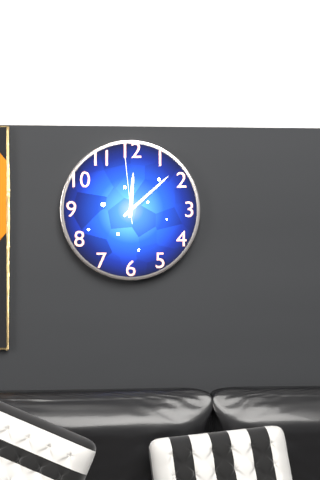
12:08:59
